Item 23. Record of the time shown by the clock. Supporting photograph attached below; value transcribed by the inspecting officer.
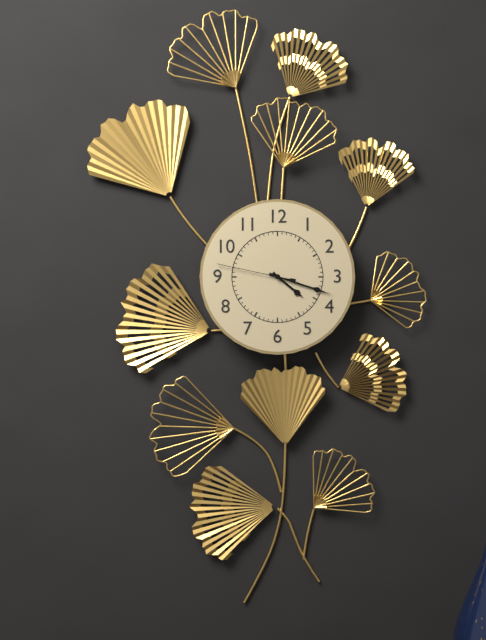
4:18:47
